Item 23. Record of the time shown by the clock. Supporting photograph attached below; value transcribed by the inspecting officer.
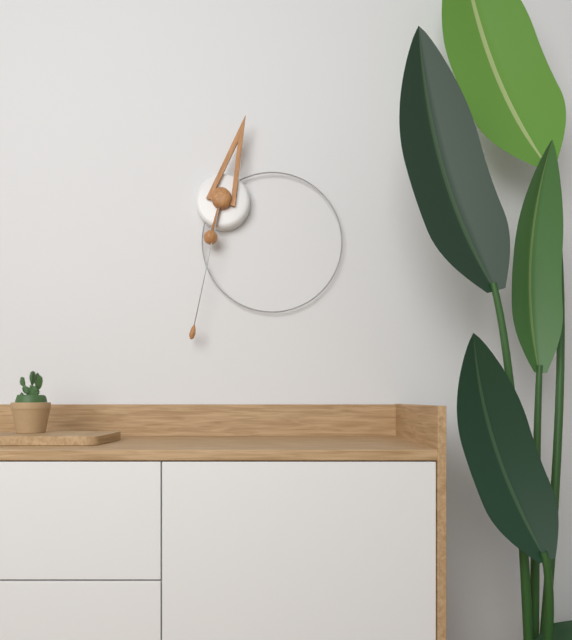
12:32
